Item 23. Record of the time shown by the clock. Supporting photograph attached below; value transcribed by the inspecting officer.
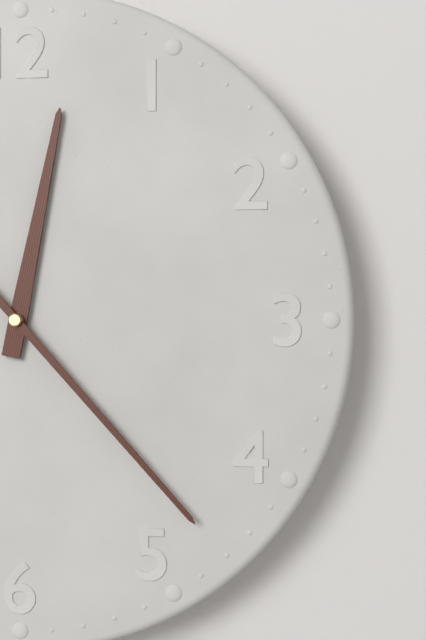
12:23
